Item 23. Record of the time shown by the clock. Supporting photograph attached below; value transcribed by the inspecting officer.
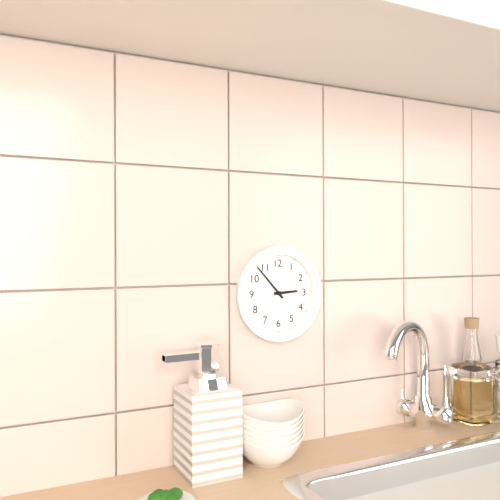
2:53
